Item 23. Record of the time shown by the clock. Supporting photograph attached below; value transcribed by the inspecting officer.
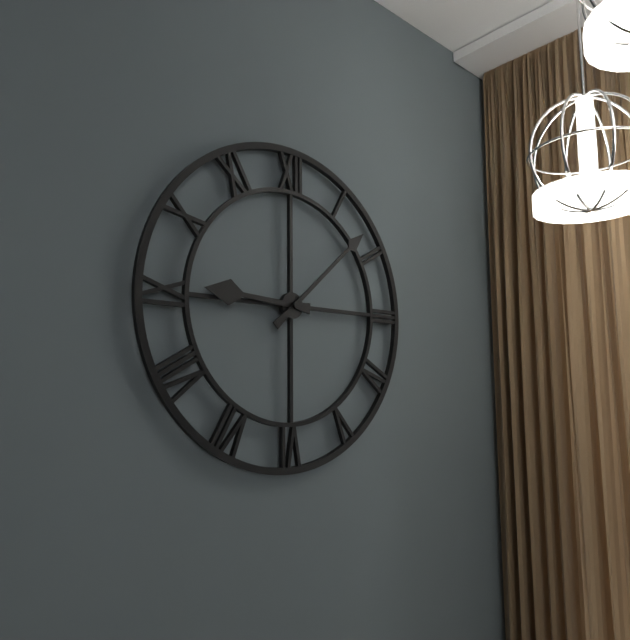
9:08
